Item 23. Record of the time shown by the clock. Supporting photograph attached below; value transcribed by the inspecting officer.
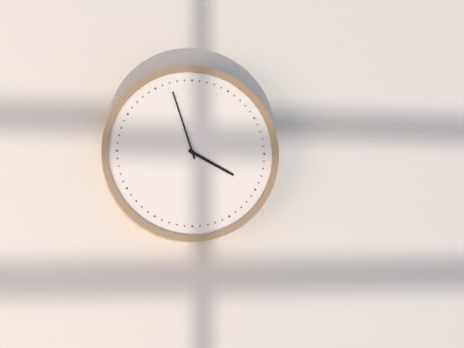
3:57
